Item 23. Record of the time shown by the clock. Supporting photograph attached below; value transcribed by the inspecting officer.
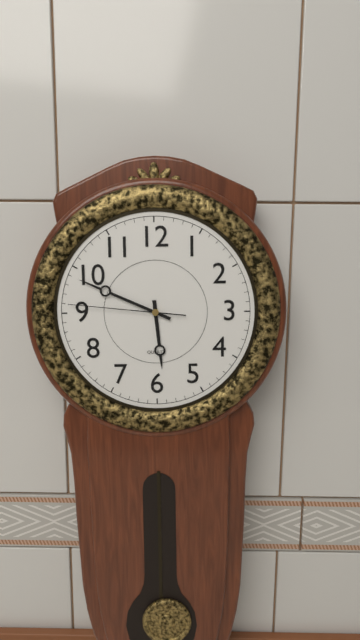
5:49:46
